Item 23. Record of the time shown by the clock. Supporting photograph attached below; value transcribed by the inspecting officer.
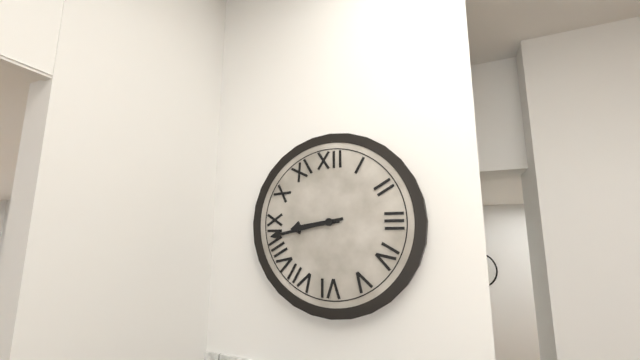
8:43
